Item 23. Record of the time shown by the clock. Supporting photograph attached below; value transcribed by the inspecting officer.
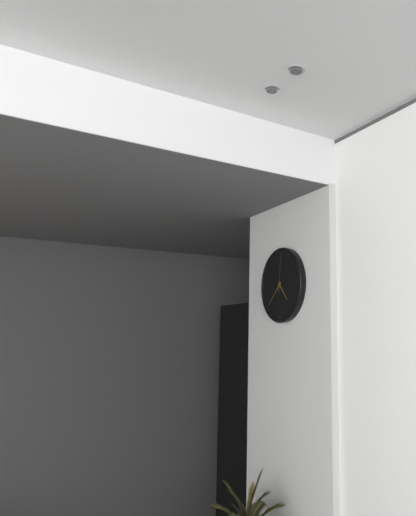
4:38
